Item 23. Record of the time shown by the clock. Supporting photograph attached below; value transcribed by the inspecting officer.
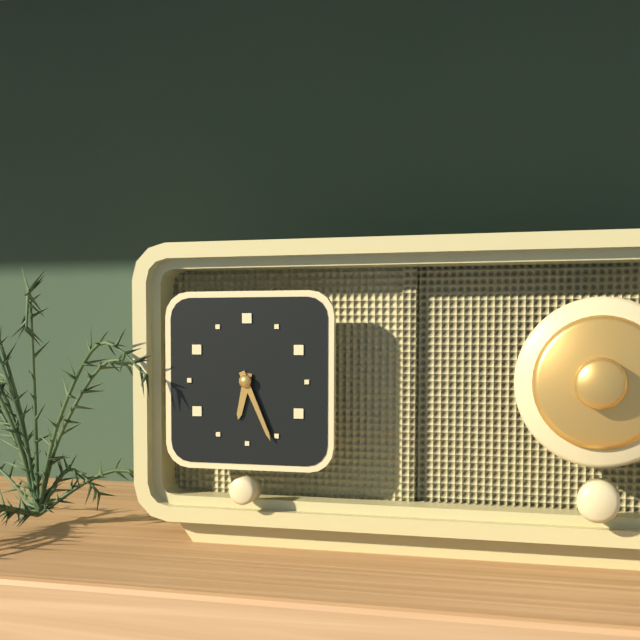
6:26
